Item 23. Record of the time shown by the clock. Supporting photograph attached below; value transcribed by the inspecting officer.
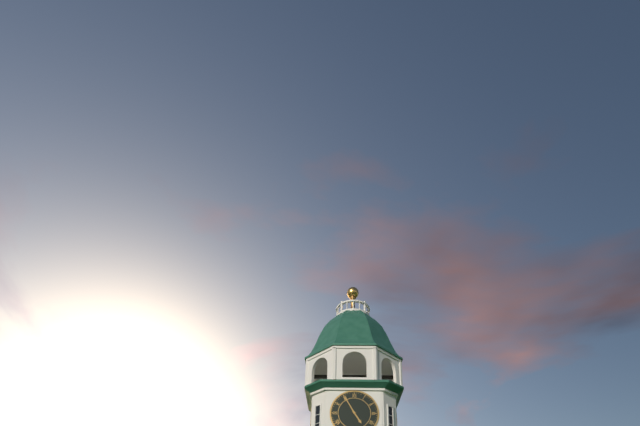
4:55
